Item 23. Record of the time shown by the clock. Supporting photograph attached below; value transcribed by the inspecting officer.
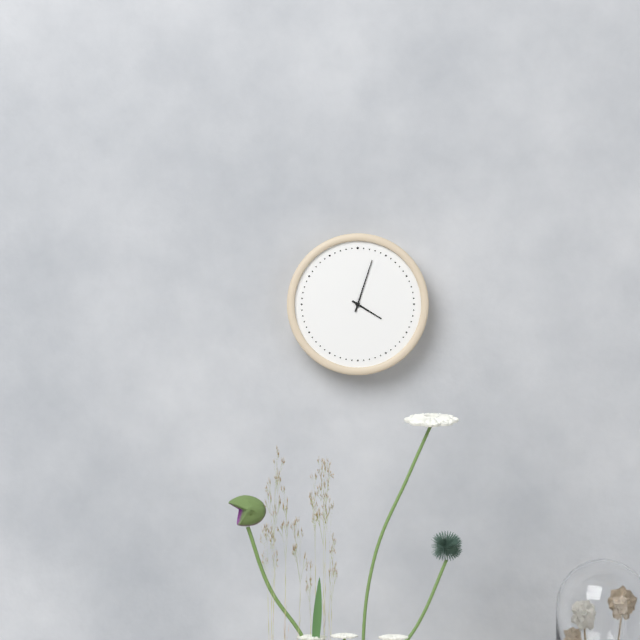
4:03
